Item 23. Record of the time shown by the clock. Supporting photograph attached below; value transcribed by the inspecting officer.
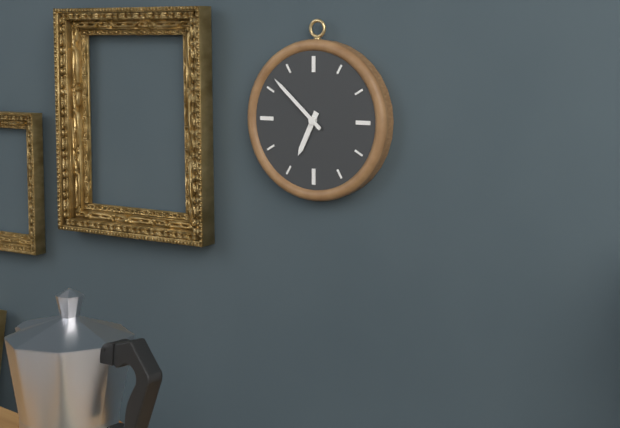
6:52
